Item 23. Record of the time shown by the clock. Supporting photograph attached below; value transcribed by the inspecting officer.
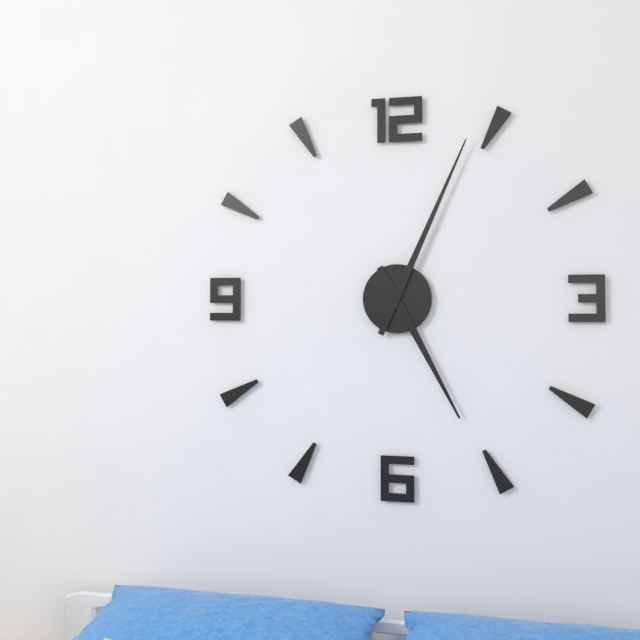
5:04
